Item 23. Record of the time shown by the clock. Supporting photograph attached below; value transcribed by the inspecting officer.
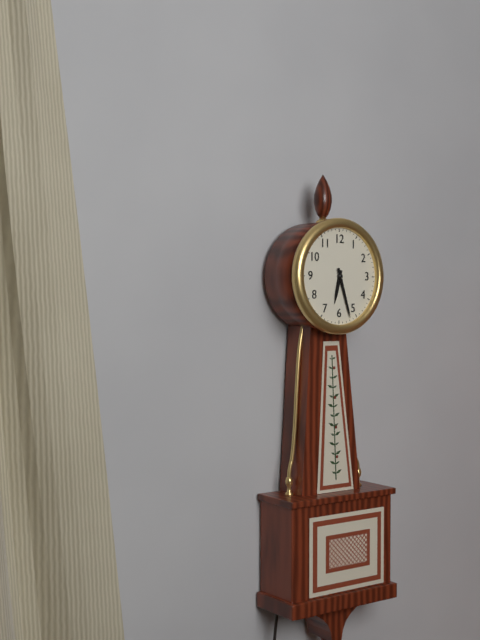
6:27
